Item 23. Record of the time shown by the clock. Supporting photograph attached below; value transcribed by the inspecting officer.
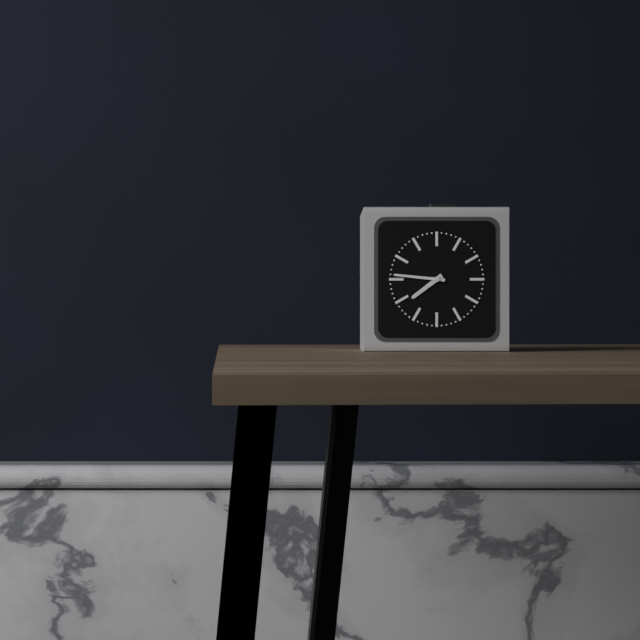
7:46
